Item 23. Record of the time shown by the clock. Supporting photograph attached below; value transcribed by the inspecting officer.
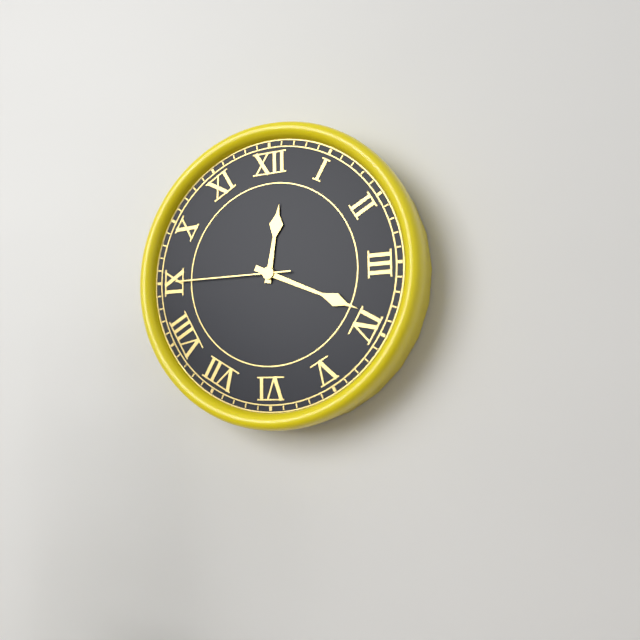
12:19:45
